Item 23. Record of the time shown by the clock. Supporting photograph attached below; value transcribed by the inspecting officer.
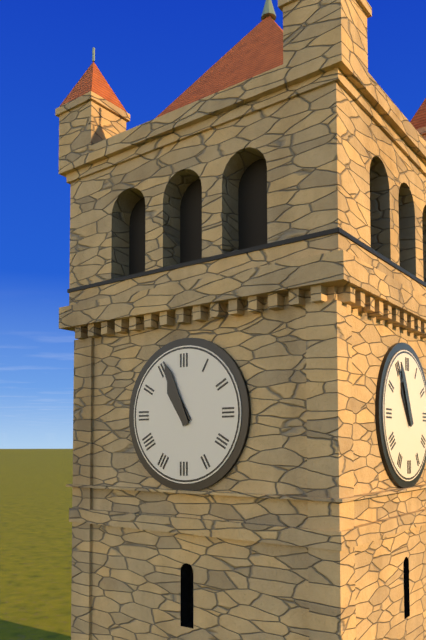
10:56
